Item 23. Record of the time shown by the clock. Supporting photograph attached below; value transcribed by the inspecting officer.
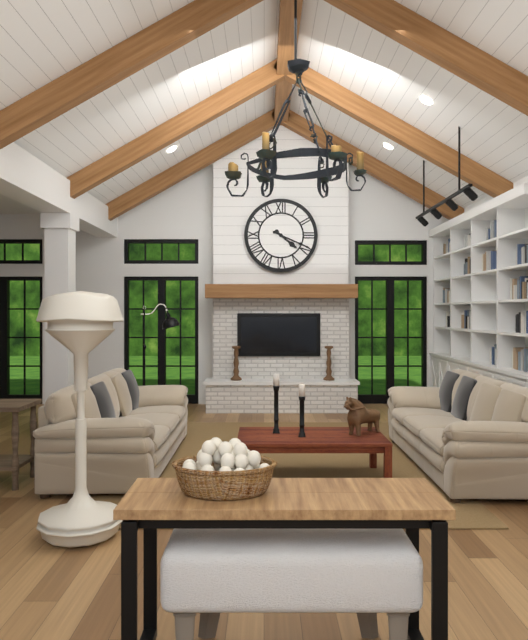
4:19
